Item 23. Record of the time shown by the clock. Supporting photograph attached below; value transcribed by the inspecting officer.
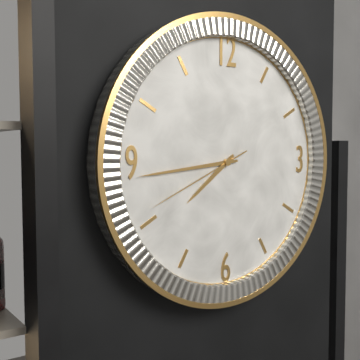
7:44:41
